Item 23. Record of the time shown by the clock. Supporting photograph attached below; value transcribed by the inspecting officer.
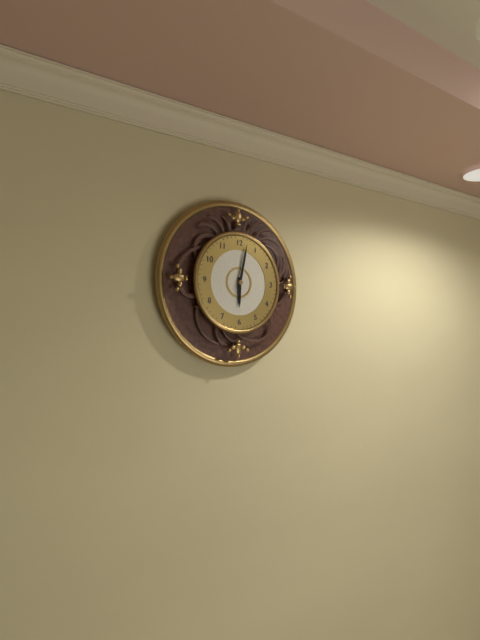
6:02
